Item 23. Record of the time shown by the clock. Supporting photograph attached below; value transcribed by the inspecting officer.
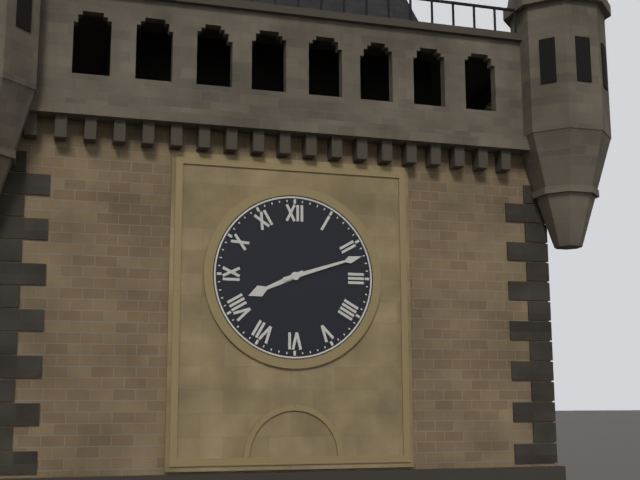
8:12
